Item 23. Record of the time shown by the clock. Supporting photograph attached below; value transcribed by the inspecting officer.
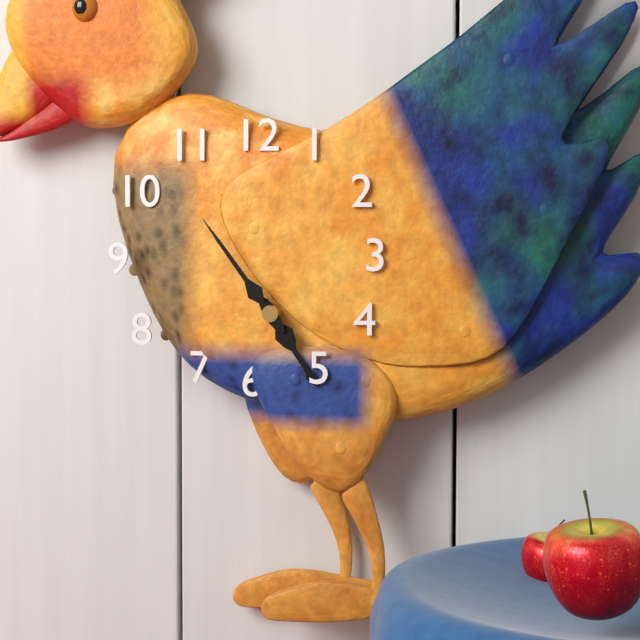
4:54
